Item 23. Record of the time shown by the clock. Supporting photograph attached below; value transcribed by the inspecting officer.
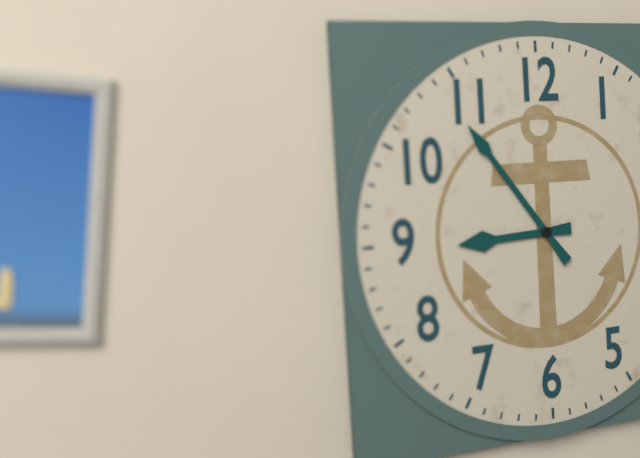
8:54
